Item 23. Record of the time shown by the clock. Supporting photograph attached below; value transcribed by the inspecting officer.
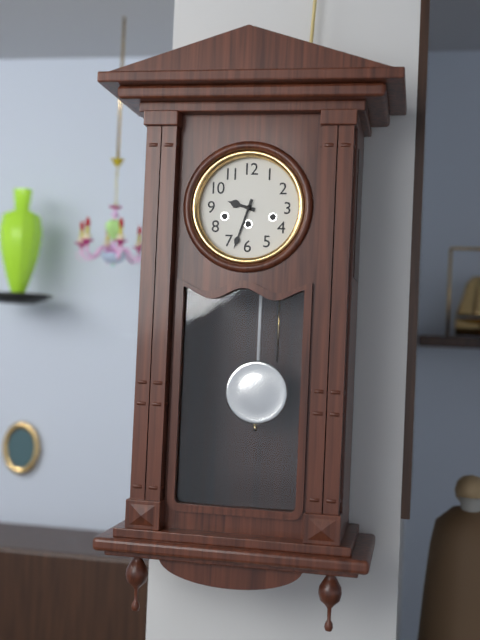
9:33
